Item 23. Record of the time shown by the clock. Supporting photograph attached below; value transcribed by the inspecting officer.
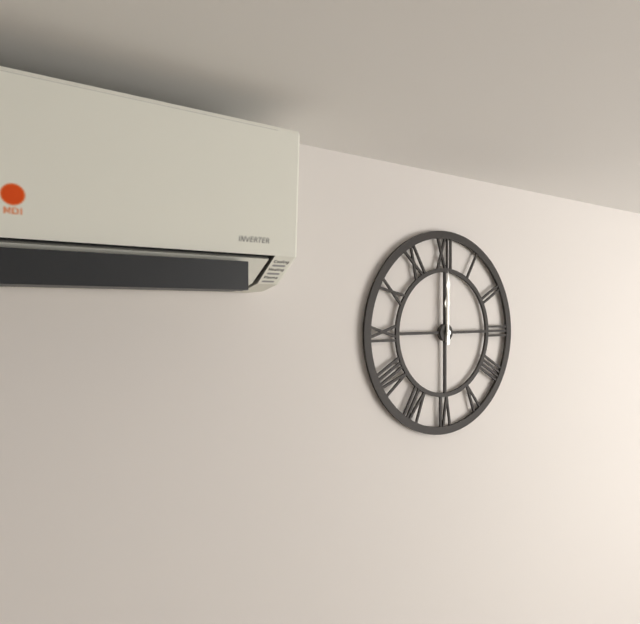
12:00
